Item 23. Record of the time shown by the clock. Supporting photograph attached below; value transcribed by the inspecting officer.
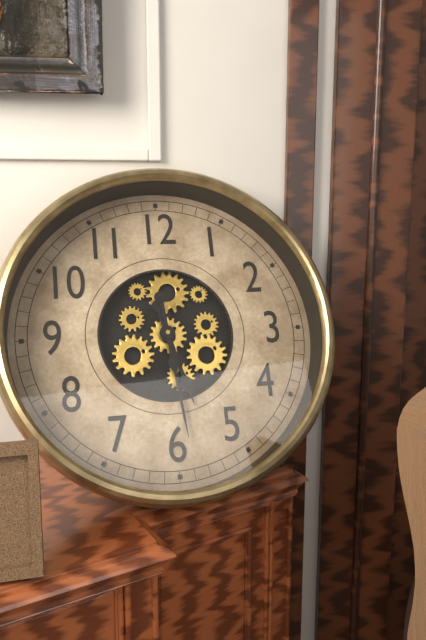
5:29
